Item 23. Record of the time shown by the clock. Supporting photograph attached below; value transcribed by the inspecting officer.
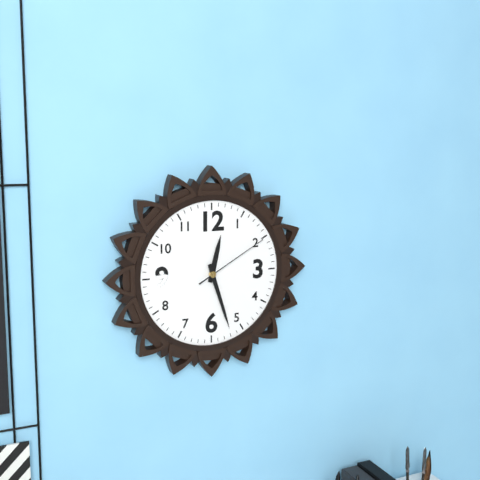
12:27:10
